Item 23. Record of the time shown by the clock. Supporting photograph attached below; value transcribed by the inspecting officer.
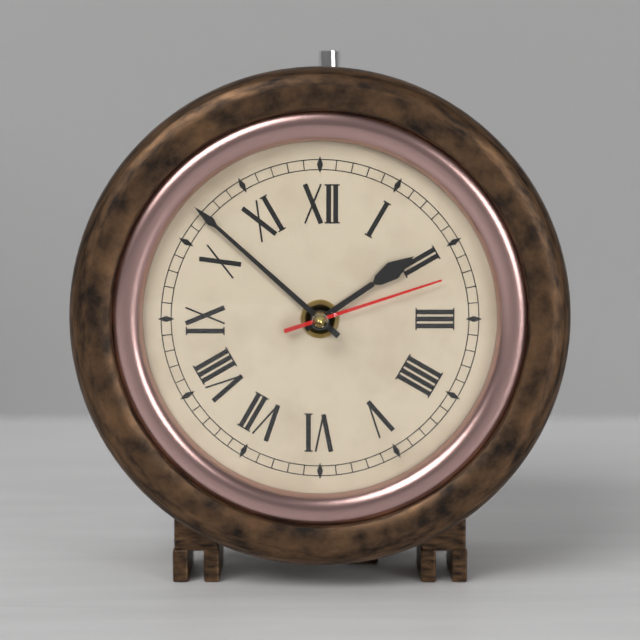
1:52:12
